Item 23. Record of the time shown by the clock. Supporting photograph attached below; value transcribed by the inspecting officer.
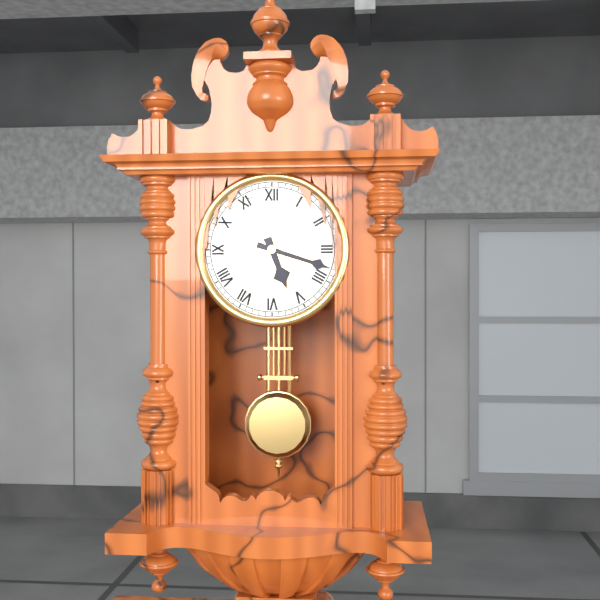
5:18
